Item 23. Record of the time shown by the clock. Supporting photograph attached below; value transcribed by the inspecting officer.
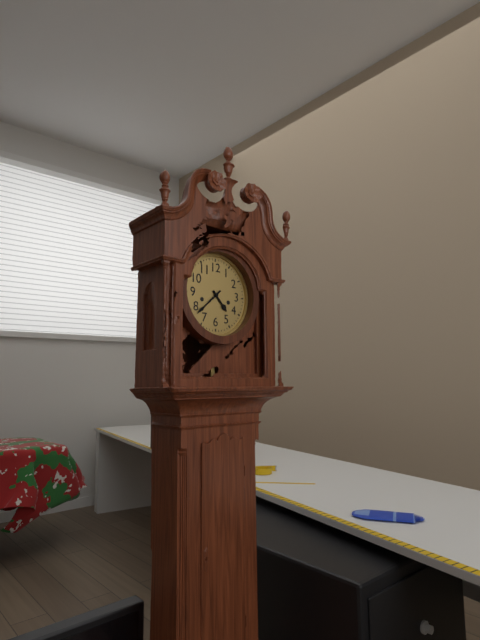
4:38
